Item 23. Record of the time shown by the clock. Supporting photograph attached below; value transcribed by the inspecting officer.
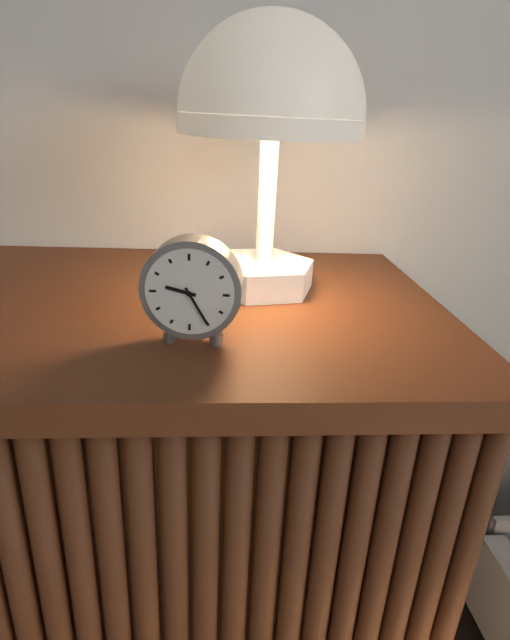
9:25
